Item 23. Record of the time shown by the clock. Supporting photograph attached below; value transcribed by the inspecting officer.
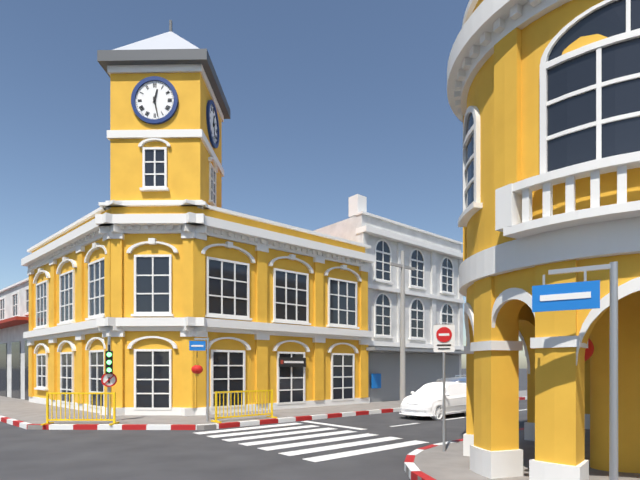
12:28
